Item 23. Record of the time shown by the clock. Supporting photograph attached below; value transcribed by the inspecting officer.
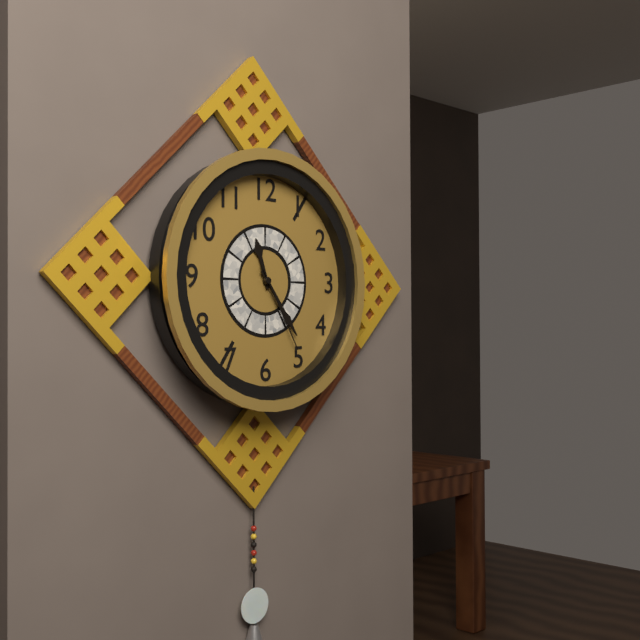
11:24:25
